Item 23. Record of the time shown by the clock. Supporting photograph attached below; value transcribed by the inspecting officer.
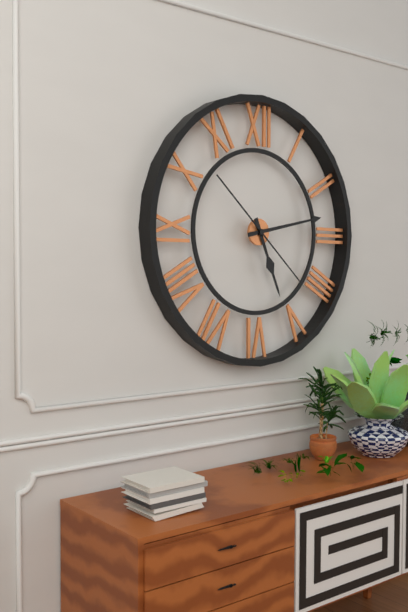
5:13:22
